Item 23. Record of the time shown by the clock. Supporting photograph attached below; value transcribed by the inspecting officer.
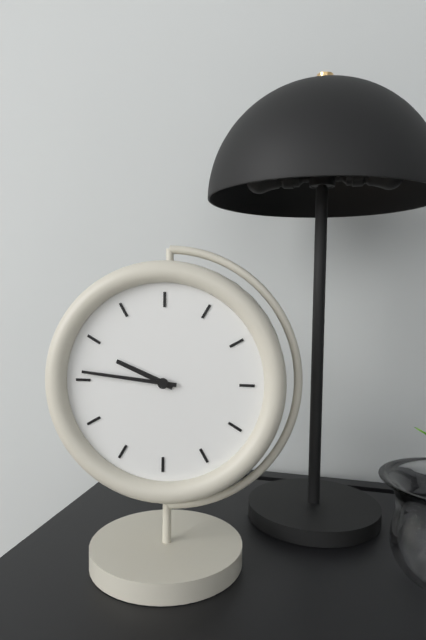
9:46
